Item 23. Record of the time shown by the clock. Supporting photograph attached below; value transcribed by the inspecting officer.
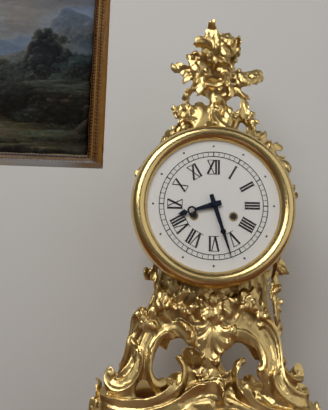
8:27
